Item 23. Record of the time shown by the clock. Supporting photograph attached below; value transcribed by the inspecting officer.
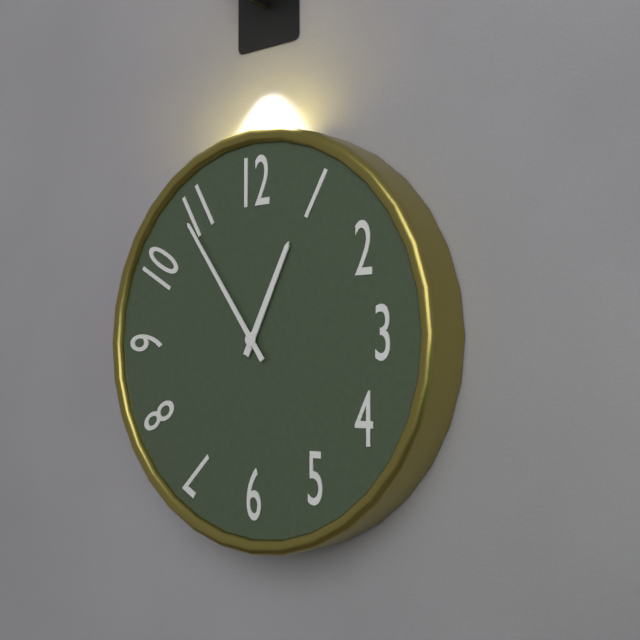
12:54
